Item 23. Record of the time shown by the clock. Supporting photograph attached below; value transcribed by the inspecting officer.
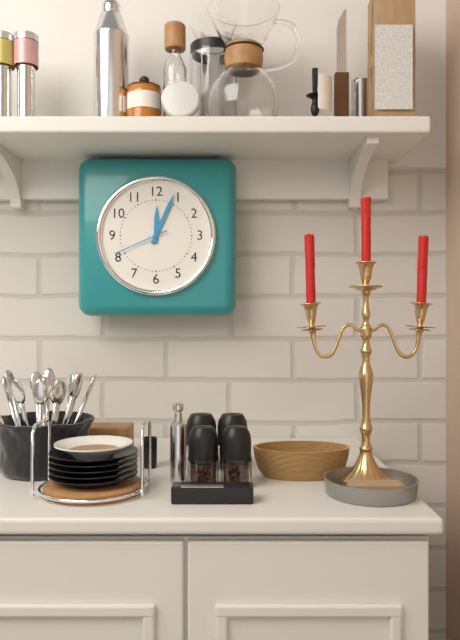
12:04:41
